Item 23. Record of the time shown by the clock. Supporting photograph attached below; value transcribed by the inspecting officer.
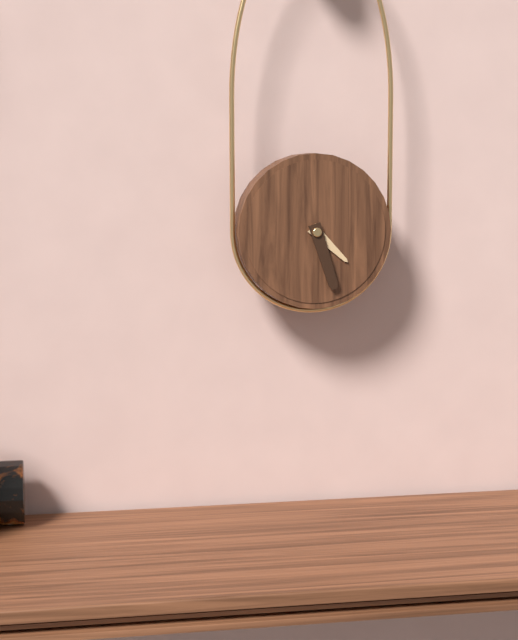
4:27
